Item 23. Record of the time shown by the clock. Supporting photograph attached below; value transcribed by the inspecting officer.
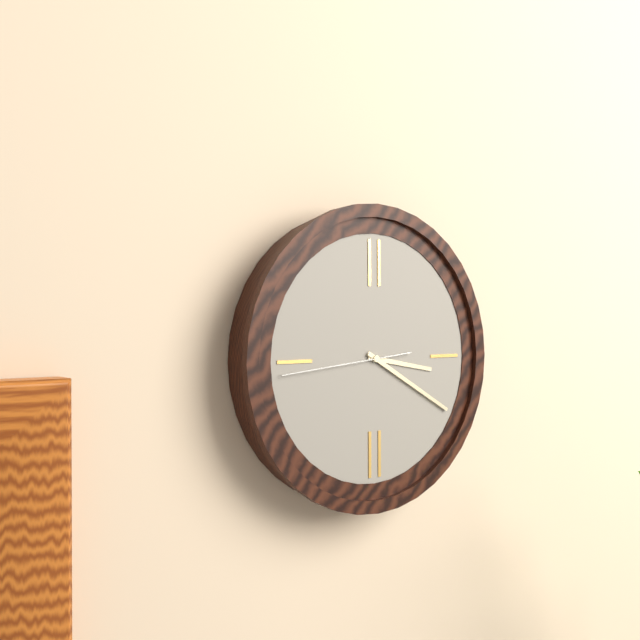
3:20:44
